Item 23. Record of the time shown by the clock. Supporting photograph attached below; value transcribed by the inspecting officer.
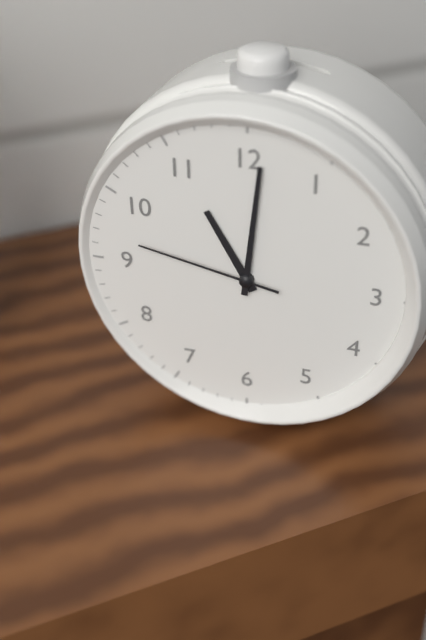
11:01:47
